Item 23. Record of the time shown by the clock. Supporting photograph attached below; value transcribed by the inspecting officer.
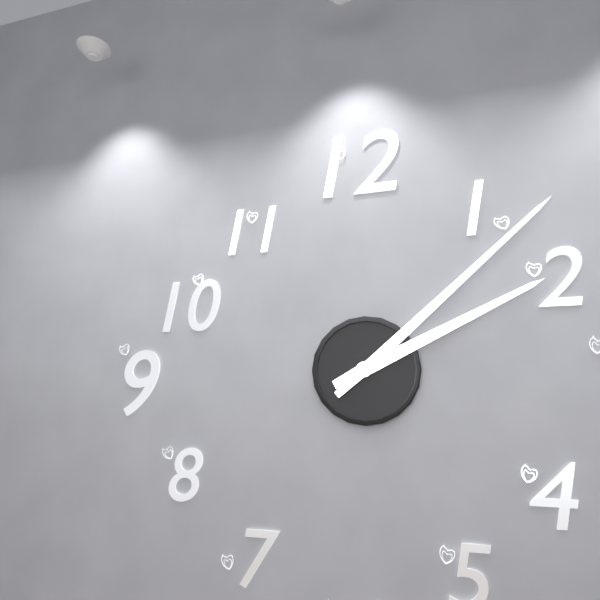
2:08
